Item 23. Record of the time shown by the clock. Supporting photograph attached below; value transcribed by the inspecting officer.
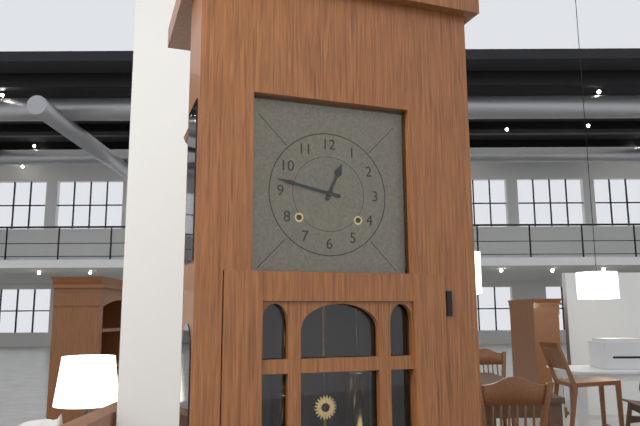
12:47
